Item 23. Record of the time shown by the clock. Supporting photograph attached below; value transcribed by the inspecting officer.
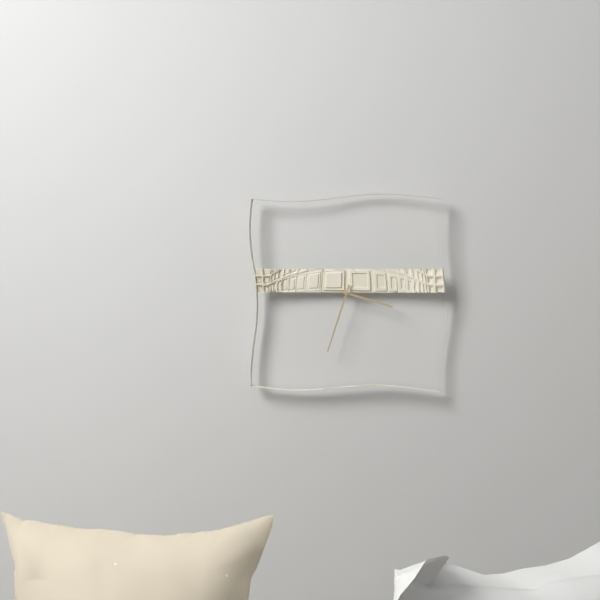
3:33
